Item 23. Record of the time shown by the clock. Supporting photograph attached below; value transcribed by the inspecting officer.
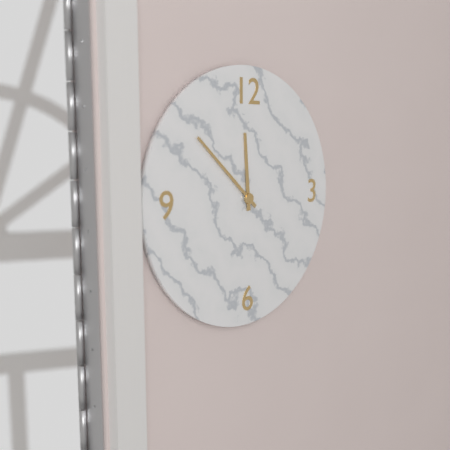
11:52
